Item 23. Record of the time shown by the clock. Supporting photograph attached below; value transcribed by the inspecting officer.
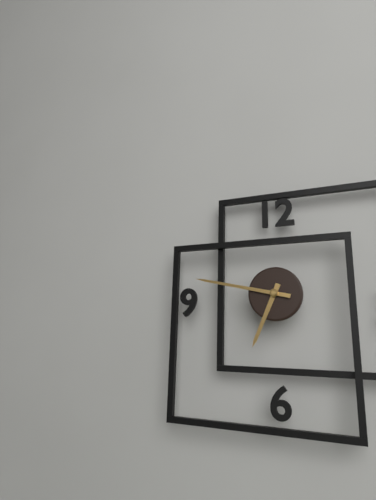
6:47
